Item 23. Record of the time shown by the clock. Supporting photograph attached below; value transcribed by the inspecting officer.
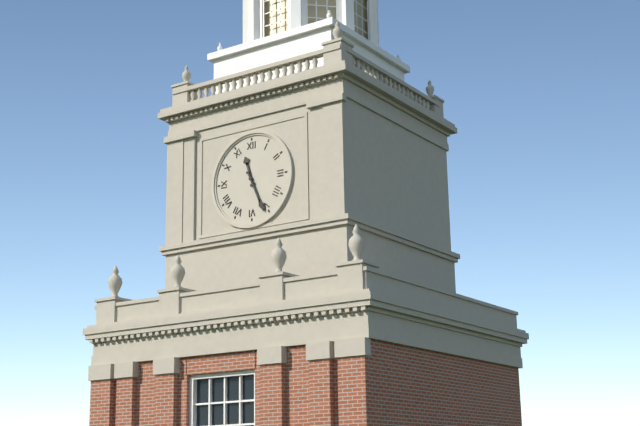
11:26
